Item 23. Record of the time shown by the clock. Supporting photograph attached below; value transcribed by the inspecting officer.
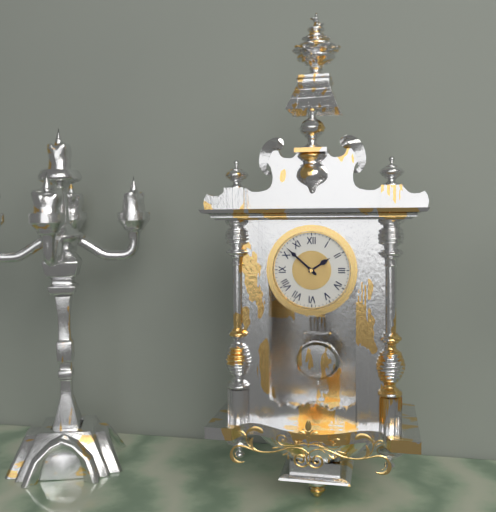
1:52
